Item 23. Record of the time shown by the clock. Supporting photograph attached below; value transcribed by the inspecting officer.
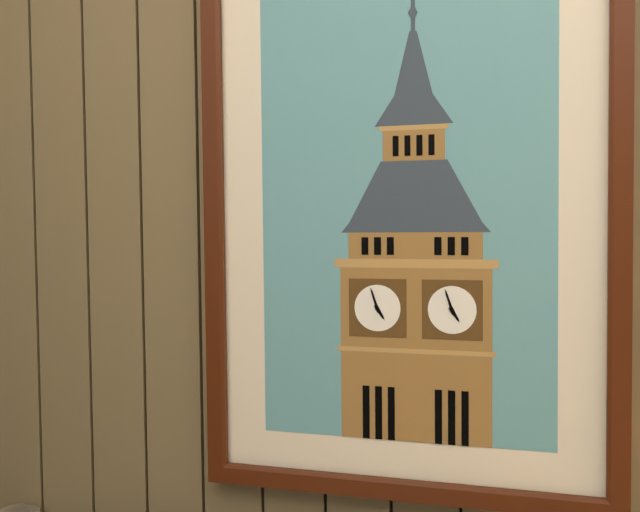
4:57
